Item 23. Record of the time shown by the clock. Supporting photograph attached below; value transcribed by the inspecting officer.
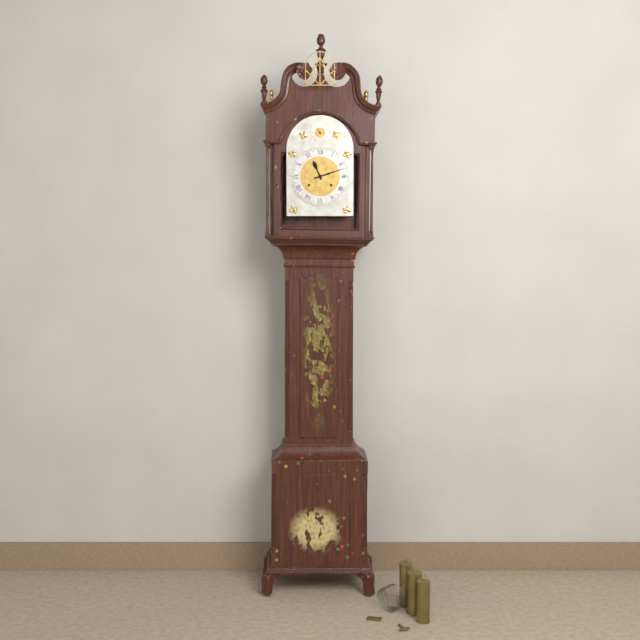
11:12
